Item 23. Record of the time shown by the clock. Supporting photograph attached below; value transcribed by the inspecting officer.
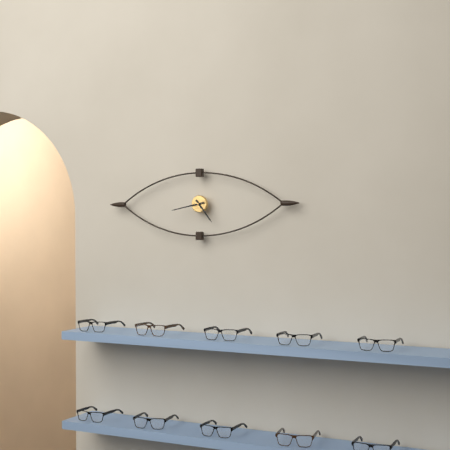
4:43
